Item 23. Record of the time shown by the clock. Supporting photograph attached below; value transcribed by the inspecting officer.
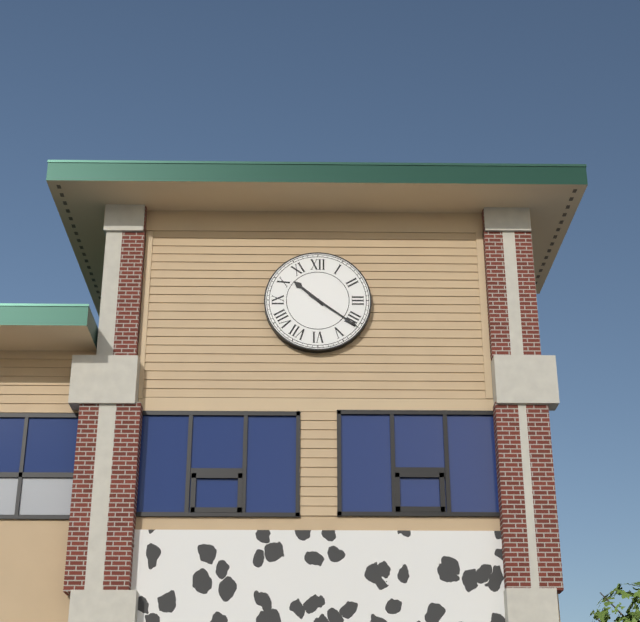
10:21
